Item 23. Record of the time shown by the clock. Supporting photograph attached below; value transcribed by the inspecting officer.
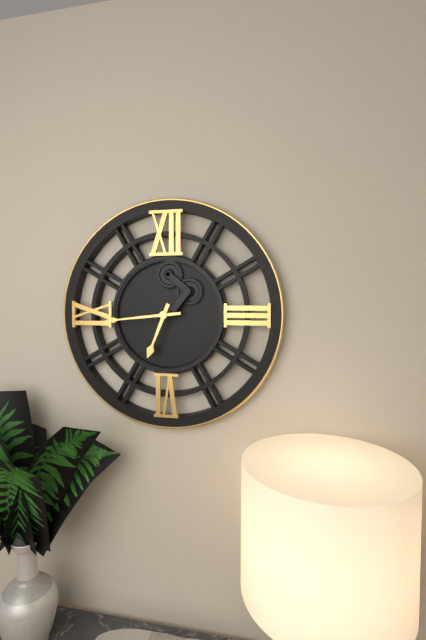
6:44
